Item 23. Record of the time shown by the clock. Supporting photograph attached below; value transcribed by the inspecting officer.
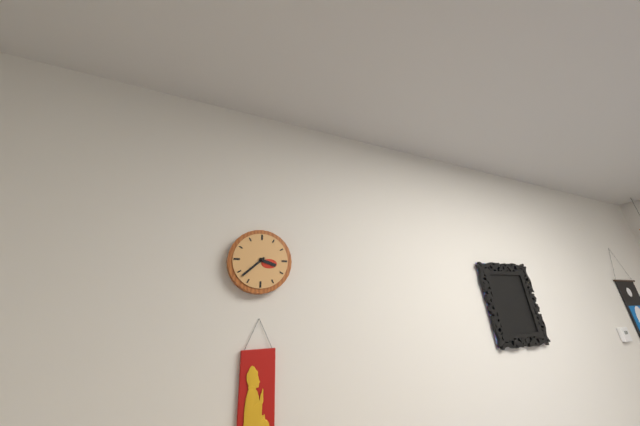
3:38
